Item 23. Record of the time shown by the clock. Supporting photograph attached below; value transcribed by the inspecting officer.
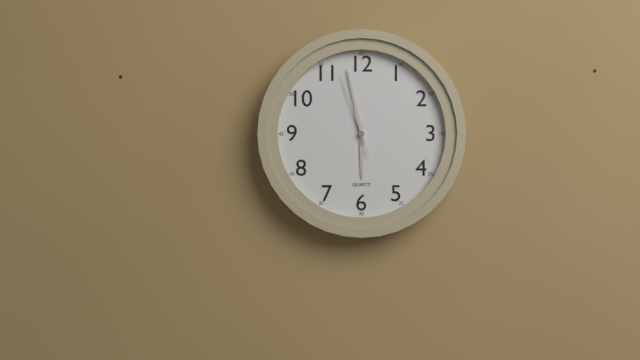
5:58:57
